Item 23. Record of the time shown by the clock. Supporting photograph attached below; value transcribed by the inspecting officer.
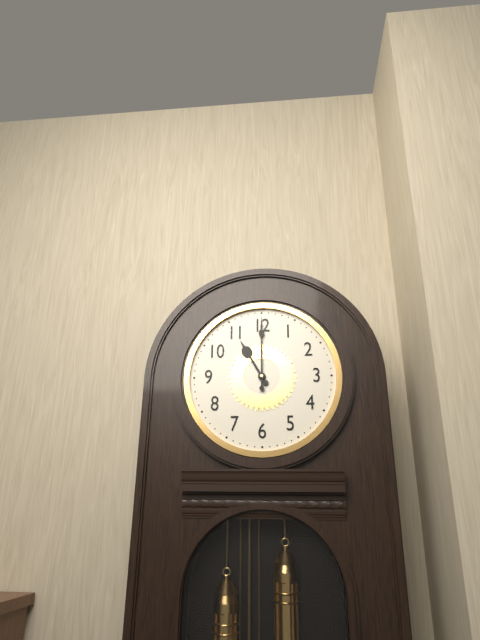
11:00
